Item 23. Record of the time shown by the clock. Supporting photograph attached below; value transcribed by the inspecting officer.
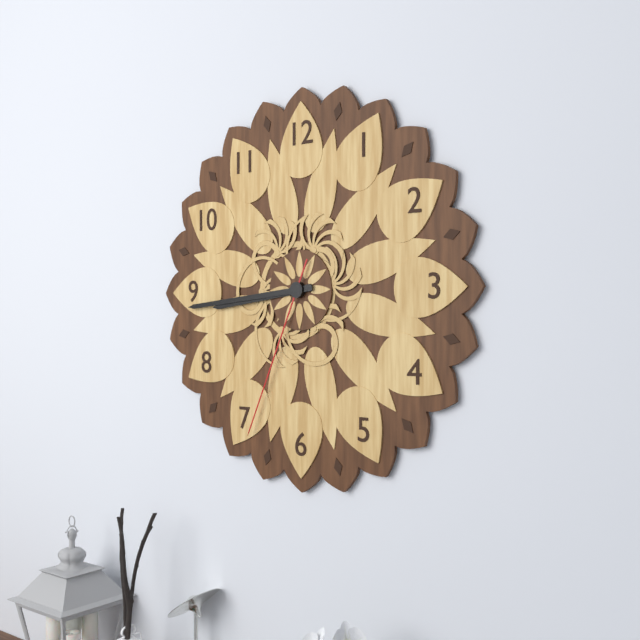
8:44:34
